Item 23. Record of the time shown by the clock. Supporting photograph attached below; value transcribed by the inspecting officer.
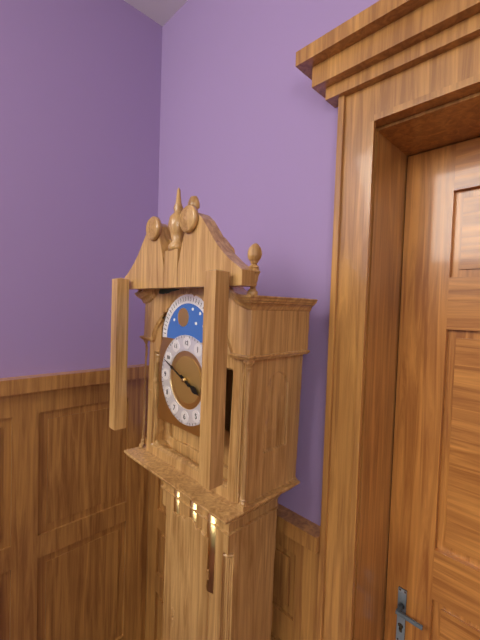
3:49
